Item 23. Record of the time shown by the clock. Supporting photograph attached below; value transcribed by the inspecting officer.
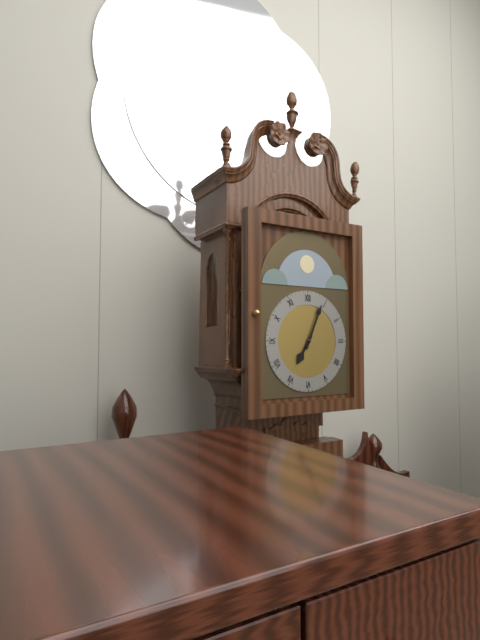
7:04
